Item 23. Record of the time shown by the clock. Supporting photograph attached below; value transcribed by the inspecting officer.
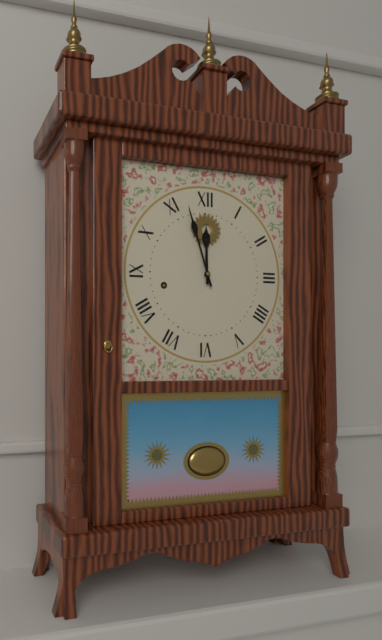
11:57
